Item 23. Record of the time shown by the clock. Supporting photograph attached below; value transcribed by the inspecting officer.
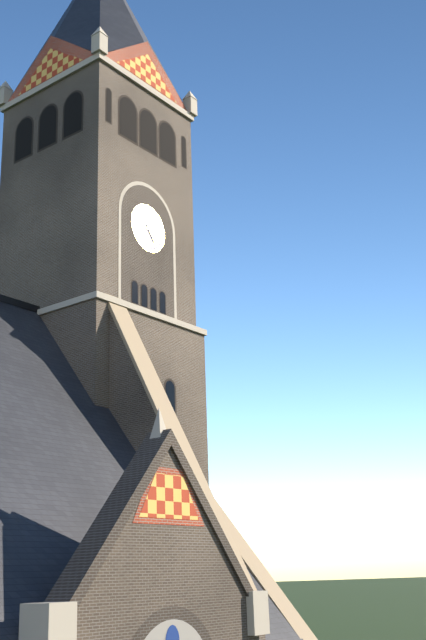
2:24
